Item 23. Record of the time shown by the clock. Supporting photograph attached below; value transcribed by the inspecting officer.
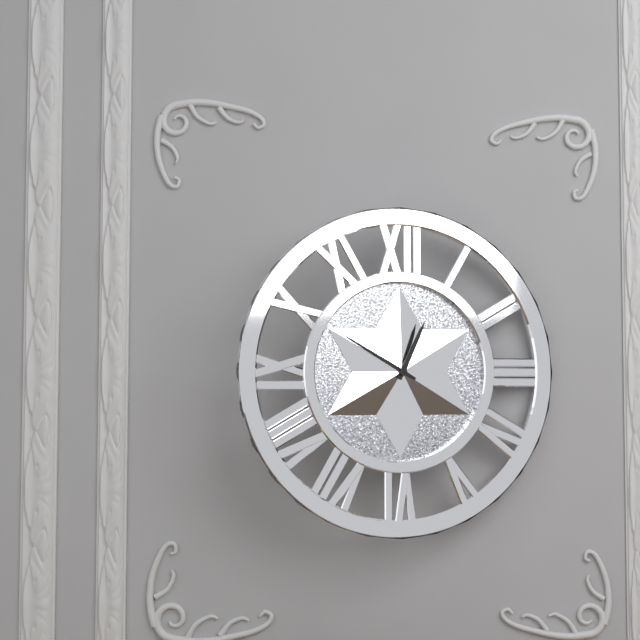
12:50
